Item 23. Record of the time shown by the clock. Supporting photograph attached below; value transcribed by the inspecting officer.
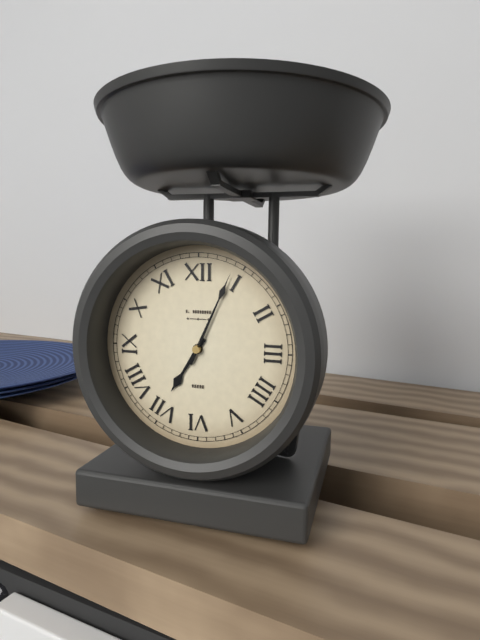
7:04
